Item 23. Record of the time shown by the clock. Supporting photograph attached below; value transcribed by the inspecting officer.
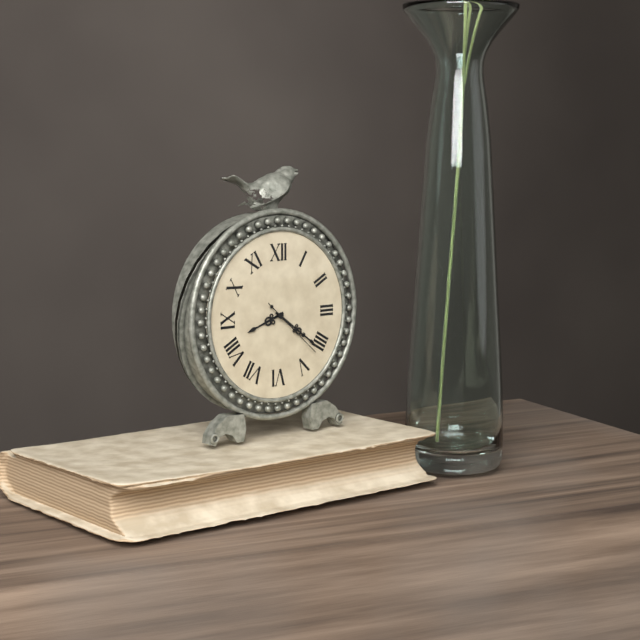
8:21:22
